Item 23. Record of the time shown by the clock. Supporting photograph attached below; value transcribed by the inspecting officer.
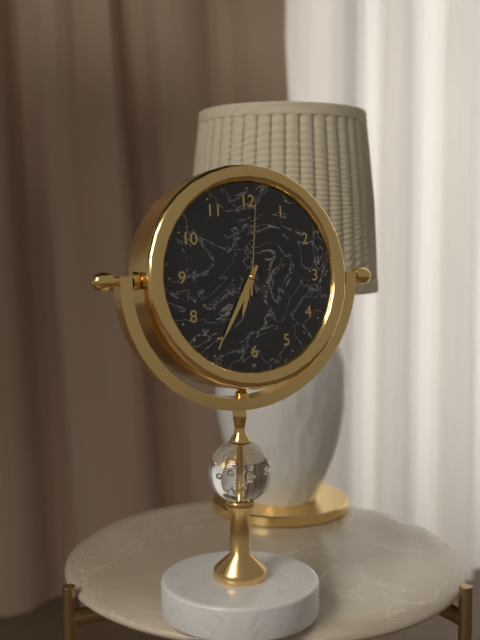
6:35:01
